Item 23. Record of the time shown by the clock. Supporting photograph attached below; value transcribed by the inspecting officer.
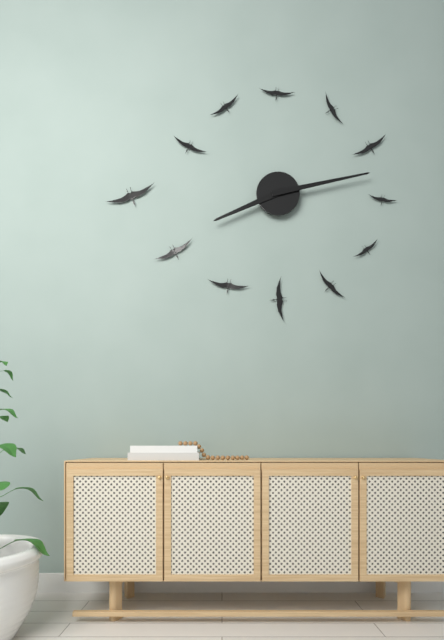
8:13
